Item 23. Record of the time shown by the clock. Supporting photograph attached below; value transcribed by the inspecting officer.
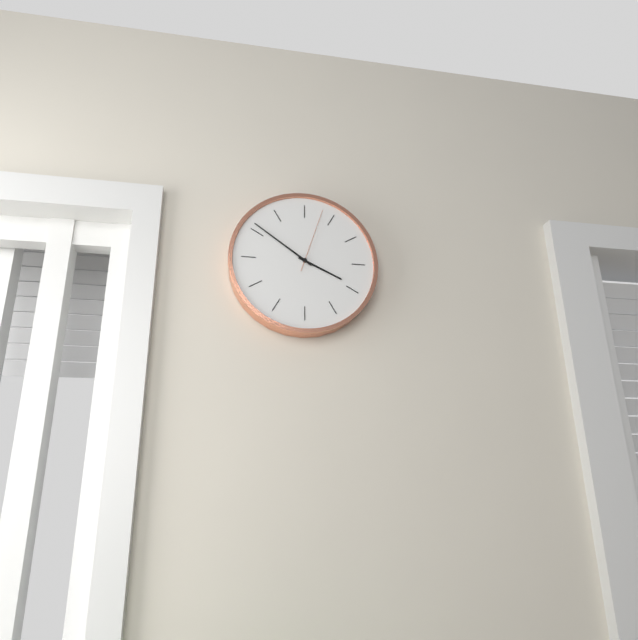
3:51:03
